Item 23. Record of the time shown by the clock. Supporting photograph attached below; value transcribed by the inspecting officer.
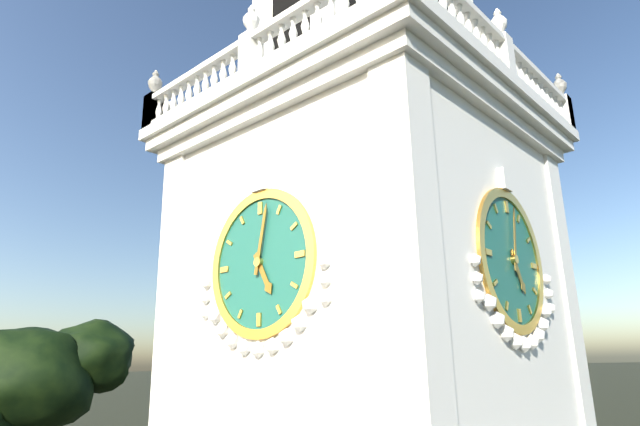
5:02
